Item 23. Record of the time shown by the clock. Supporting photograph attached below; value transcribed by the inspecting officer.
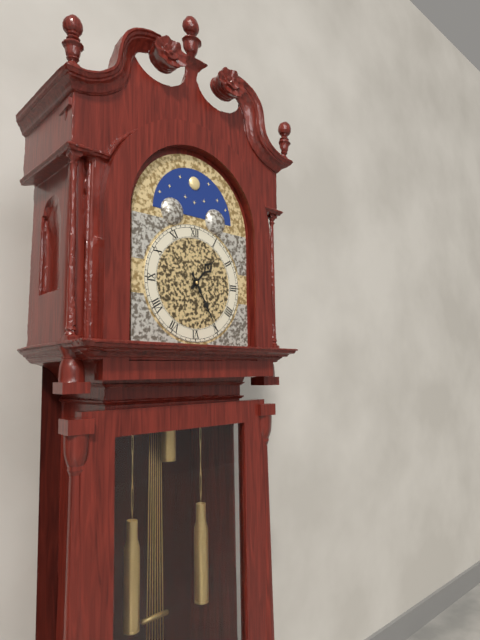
1:25
